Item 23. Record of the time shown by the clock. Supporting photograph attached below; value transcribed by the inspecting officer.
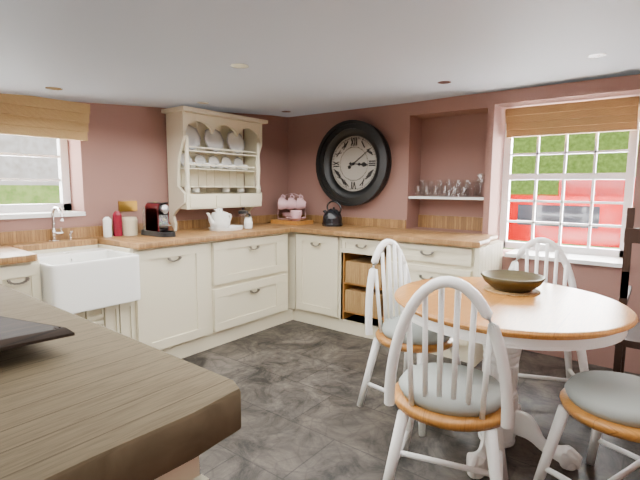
3:09
